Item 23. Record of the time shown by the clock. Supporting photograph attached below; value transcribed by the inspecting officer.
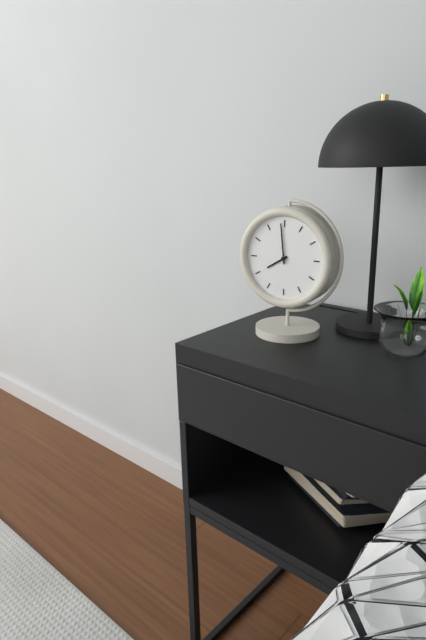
7:59
